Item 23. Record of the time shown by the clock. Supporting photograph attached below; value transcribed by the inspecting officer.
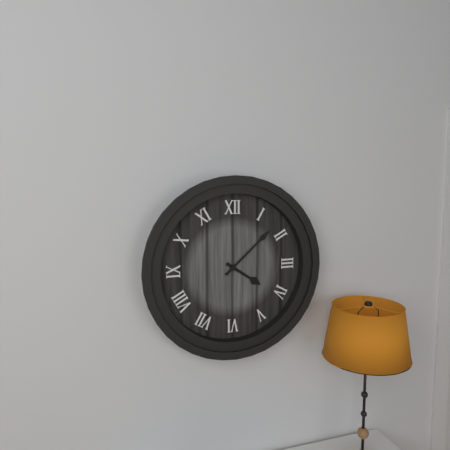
4:08
